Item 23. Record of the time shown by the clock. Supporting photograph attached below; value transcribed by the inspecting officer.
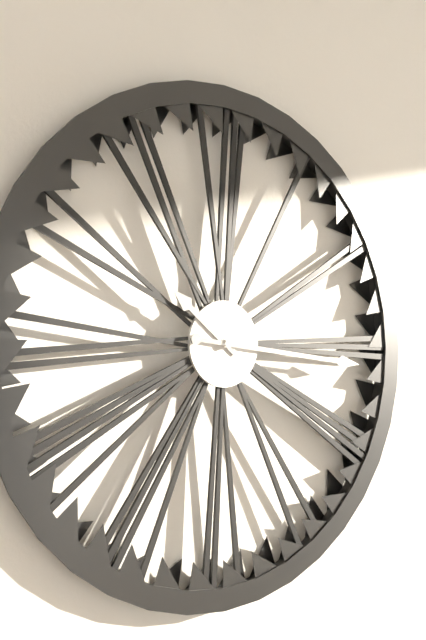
10:16
